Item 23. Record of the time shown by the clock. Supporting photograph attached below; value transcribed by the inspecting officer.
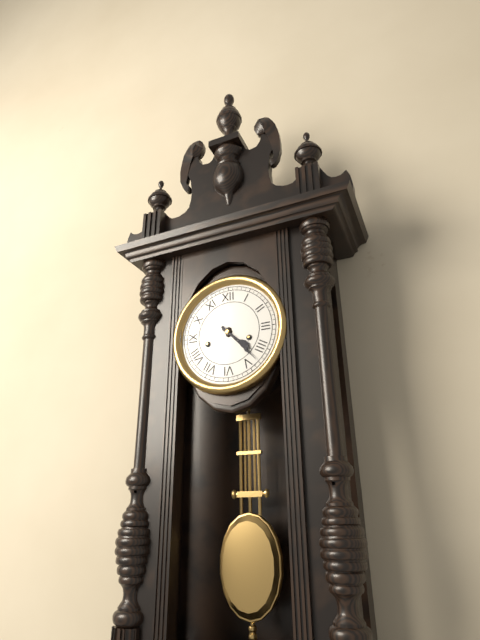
4:23
